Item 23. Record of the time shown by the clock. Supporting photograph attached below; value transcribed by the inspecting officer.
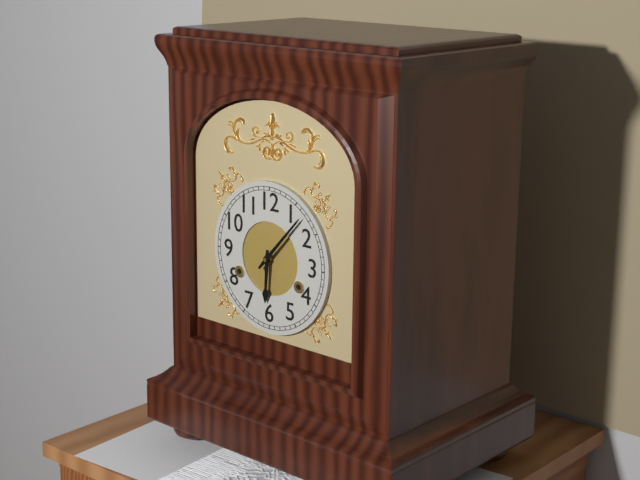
6:07
